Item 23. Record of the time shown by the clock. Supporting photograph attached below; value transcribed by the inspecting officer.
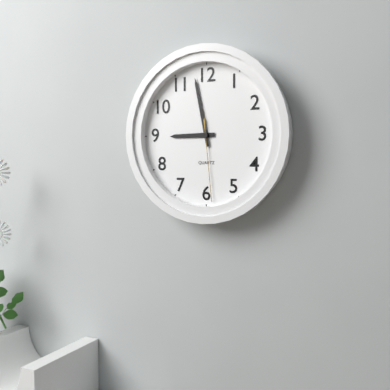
8:58:29
